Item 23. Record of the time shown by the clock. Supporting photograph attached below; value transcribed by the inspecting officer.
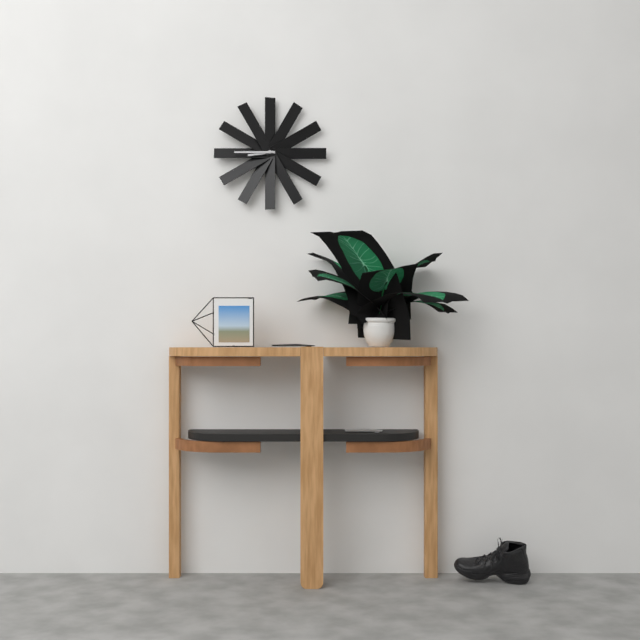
8:45
